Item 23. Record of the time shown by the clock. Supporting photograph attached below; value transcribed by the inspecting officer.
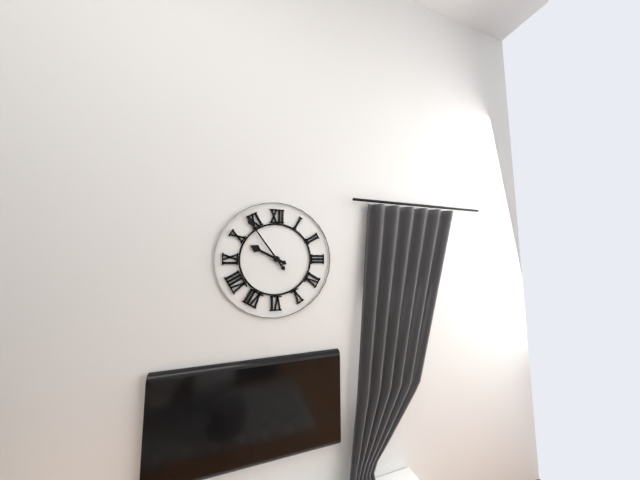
9:54
